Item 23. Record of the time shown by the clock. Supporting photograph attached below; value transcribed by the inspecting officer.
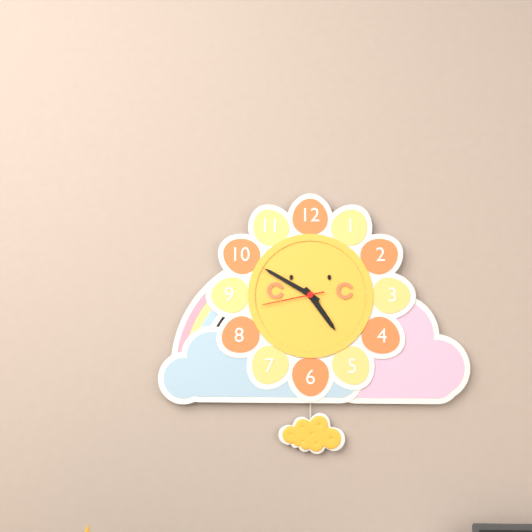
4:50:43
